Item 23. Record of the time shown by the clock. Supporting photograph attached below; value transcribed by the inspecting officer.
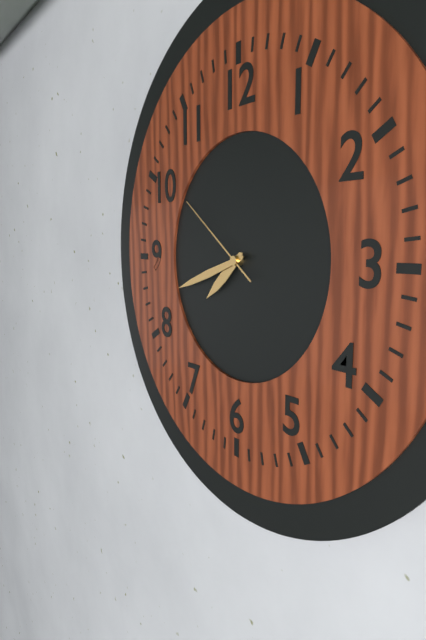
7:42:51
